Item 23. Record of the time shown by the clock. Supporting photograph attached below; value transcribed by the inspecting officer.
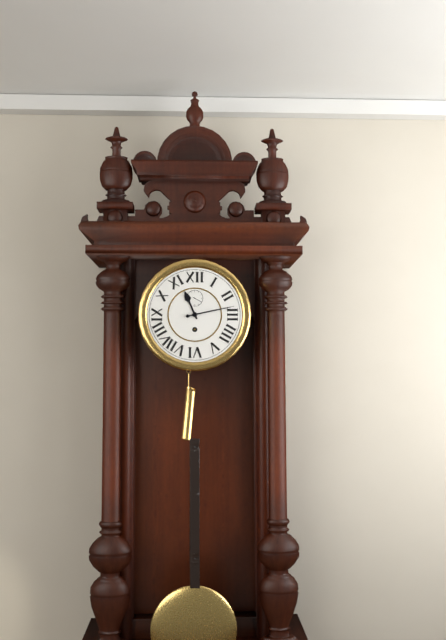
11:13
